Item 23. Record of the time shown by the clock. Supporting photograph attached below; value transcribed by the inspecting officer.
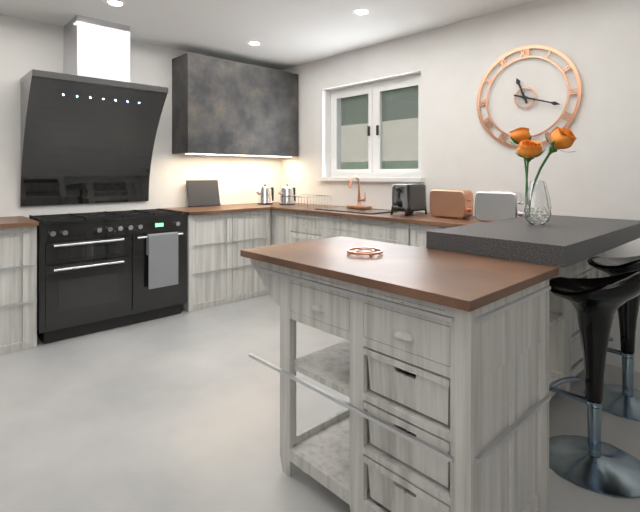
11:18
